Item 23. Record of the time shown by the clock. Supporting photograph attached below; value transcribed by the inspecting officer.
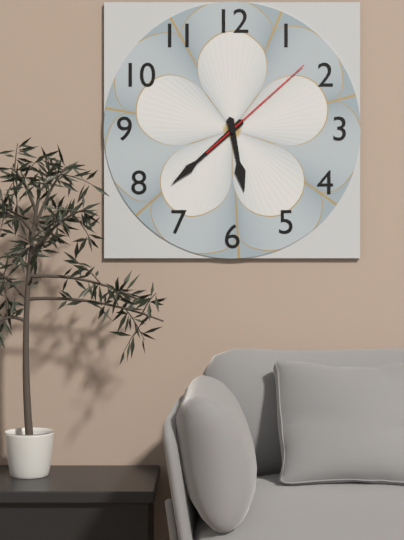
5:38:08
